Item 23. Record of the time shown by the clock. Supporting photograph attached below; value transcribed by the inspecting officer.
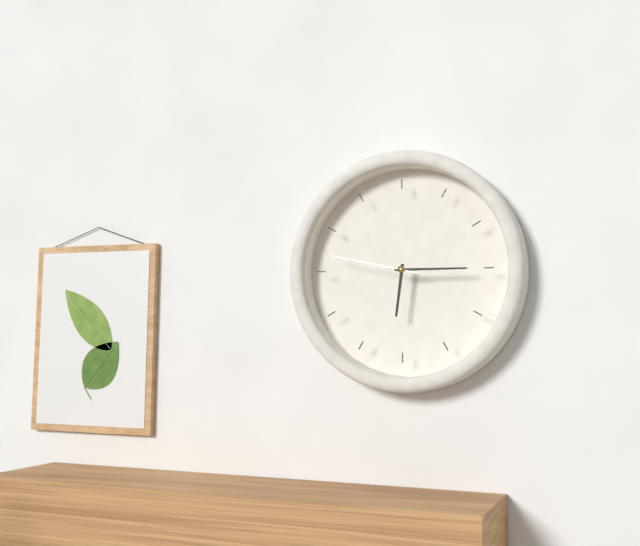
6:15:47
